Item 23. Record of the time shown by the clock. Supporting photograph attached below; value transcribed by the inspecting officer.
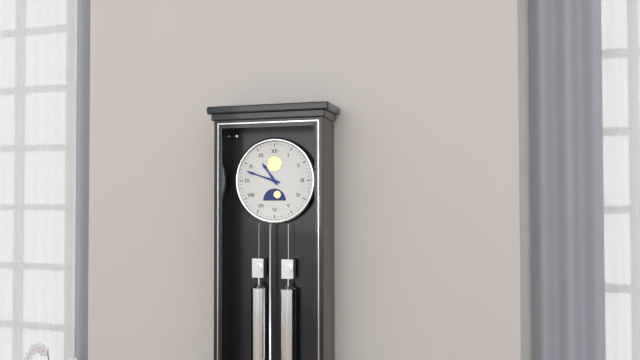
10:48
